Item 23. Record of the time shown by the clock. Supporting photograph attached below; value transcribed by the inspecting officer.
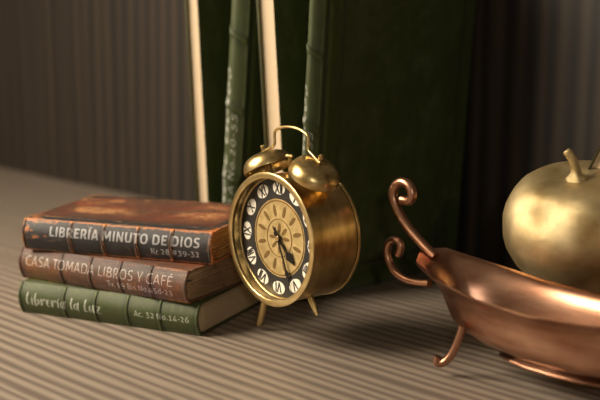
4:26
